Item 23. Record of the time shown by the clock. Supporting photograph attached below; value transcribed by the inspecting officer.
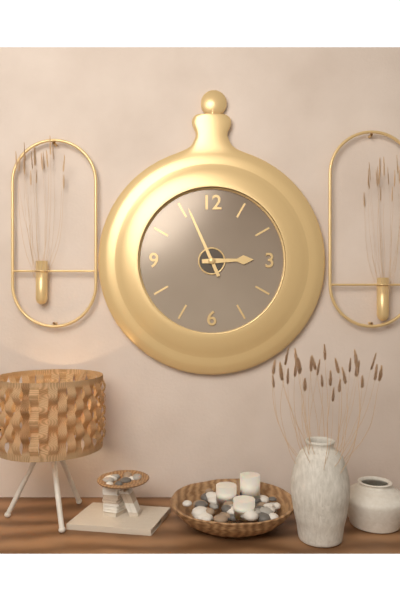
2:56
